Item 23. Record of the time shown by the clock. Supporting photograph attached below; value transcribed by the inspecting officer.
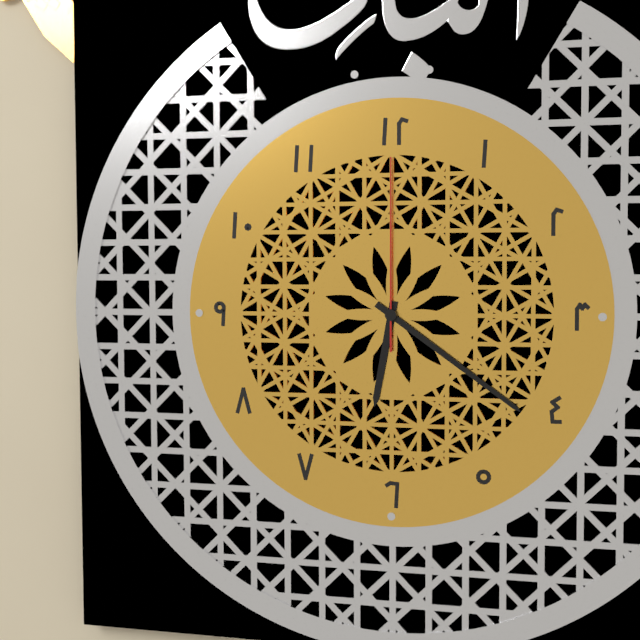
6:21:00
